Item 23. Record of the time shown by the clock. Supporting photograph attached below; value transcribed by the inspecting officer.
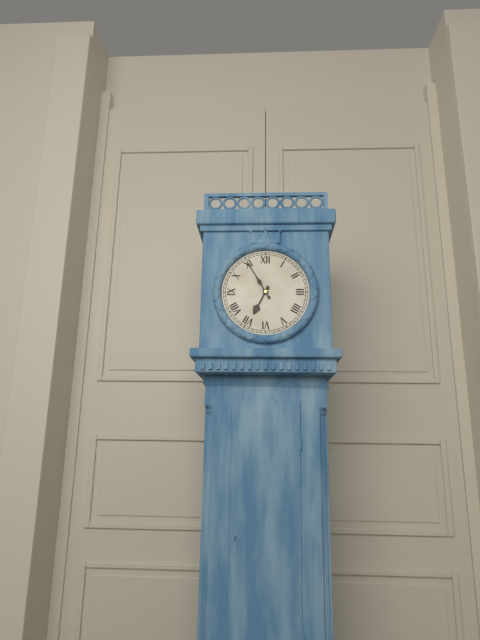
6:55
